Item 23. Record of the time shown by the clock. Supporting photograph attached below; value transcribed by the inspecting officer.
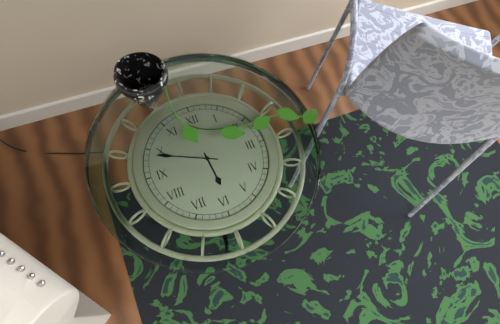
5:49
